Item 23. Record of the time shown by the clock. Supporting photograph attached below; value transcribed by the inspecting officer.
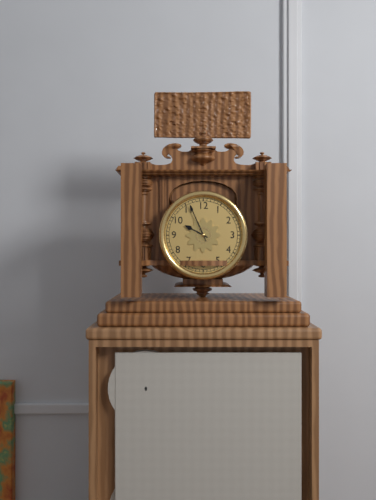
9:56
